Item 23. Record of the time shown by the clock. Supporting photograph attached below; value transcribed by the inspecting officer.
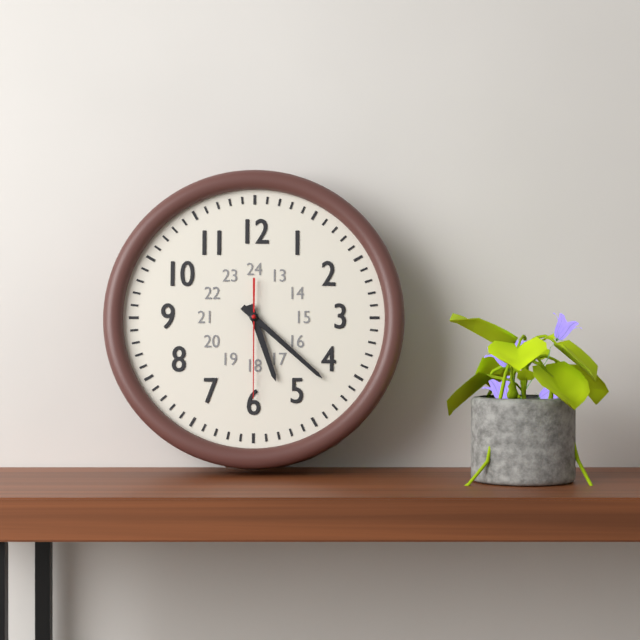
5:22:30
